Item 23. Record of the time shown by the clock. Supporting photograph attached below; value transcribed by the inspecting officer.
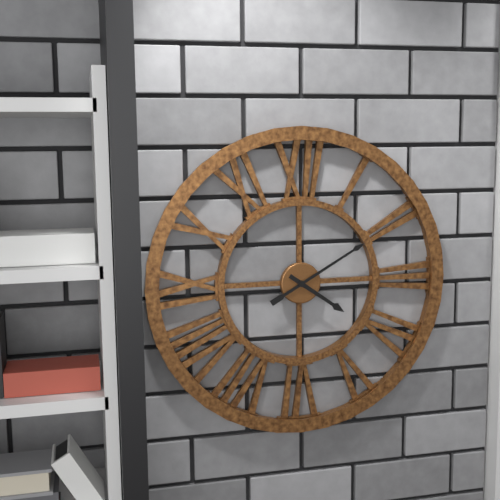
4:10
